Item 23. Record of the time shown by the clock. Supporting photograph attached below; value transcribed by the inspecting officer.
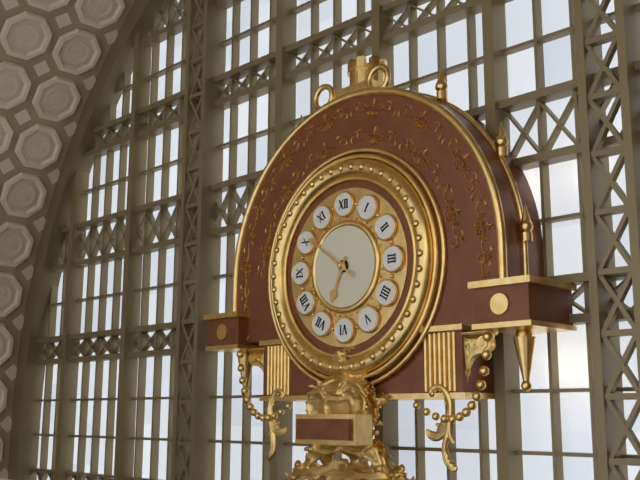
6:51
